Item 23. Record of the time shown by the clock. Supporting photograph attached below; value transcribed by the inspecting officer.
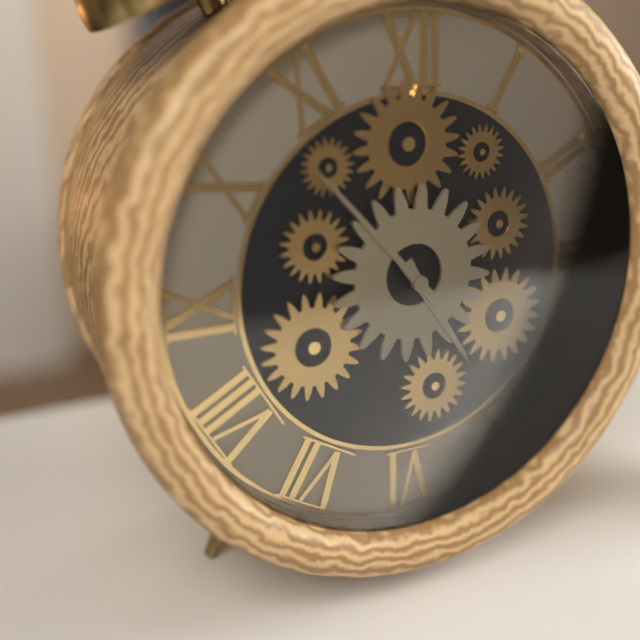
4:53
